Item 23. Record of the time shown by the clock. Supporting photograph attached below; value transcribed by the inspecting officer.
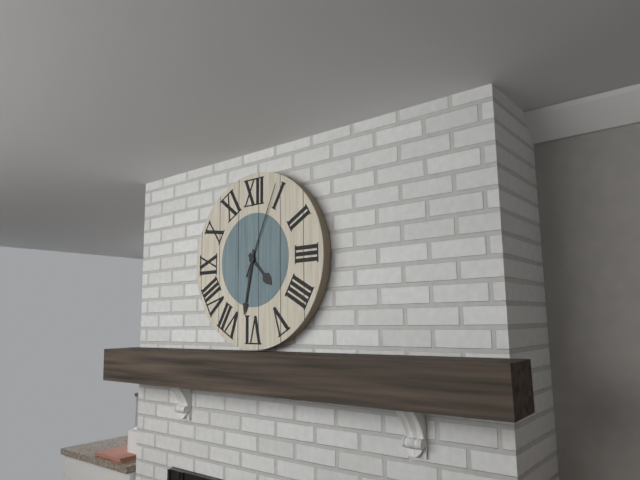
4:32:04
